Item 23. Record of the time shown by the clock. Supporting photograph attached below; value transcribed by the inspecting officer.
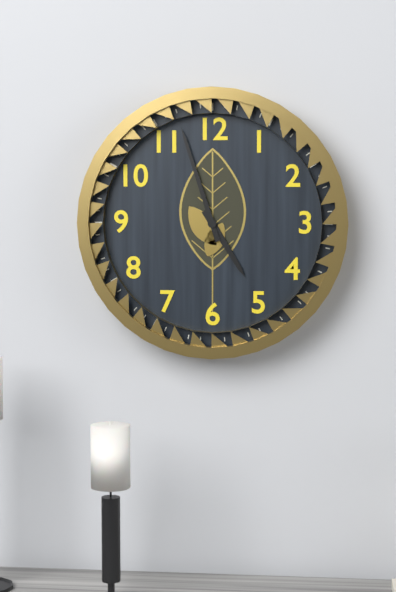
4:57
